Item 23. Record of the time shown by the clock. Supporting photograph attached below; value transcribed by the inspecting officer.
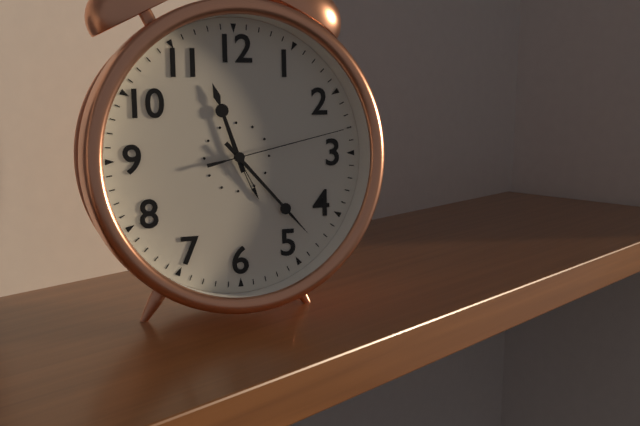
11:23:13
